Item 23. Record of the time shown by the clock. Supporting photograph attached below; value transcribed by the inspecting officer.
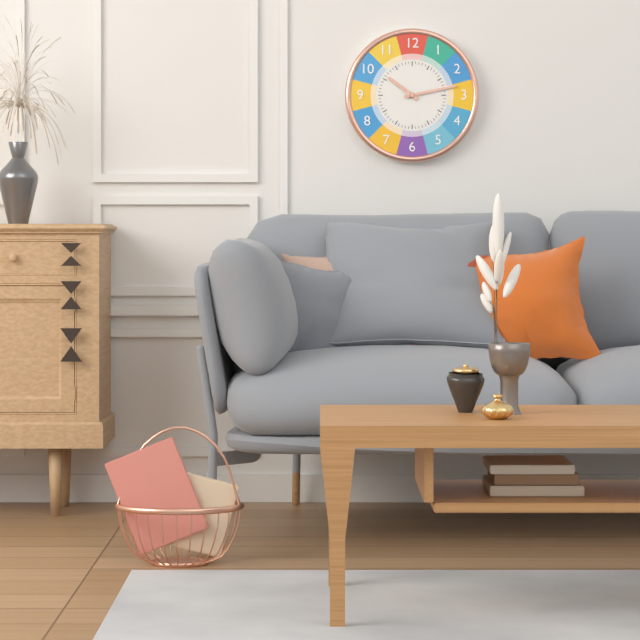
10:13
